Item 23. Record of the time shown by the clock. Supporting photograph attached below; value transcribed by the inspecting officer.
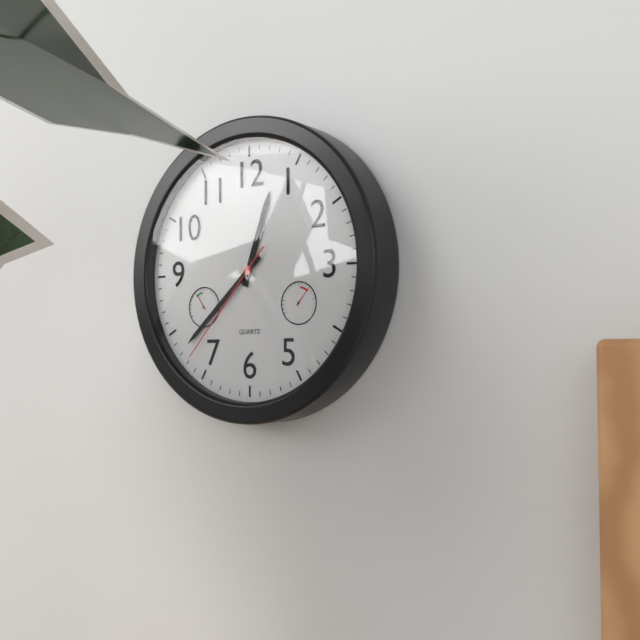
12:38:37
